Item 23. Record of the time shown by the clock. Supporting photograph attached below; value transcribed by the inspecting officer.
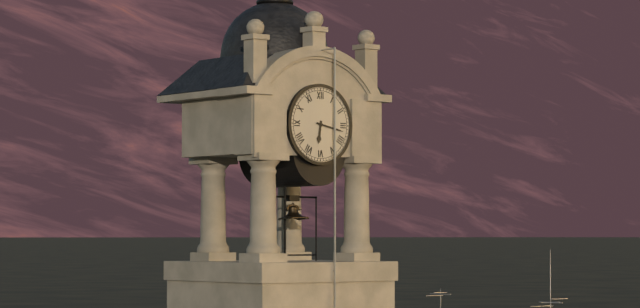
6:17
